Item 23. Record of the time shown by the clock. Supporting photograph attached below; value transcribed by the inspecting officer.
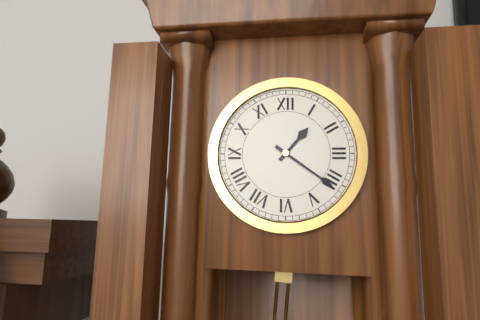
1:21
